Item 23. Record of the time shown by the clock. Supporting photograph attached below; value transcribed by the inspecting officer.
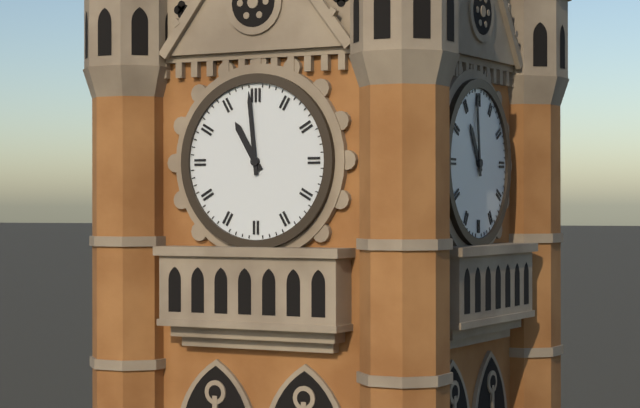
10:59
